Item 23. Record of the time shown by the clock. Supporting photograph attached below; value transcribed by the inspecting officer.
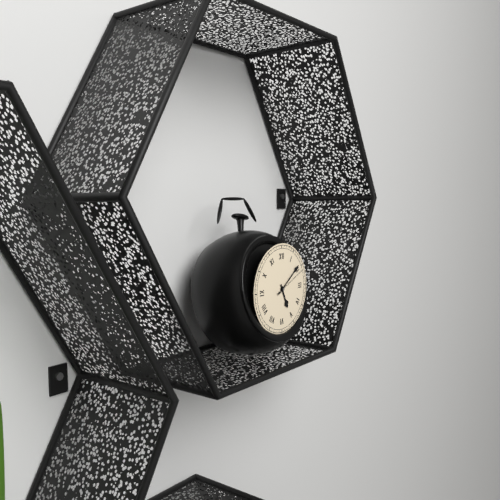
5:09
